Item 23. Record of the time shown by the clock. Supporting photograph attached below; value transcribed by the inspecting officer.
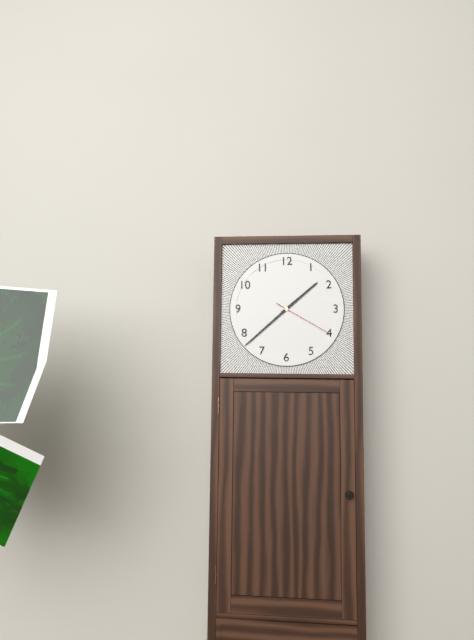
1:38:20
